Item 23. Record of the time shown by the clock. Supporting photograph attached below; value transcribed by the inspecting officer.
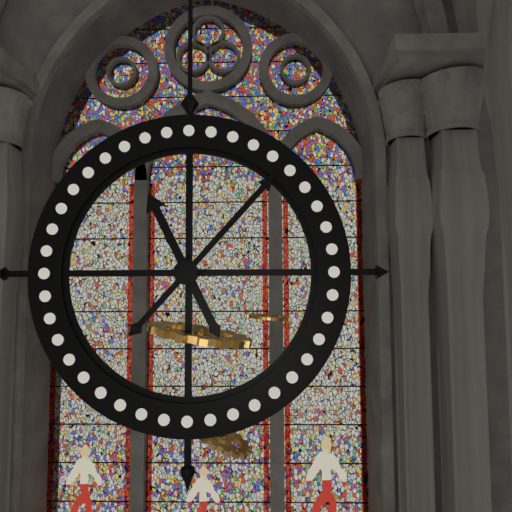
11:07
